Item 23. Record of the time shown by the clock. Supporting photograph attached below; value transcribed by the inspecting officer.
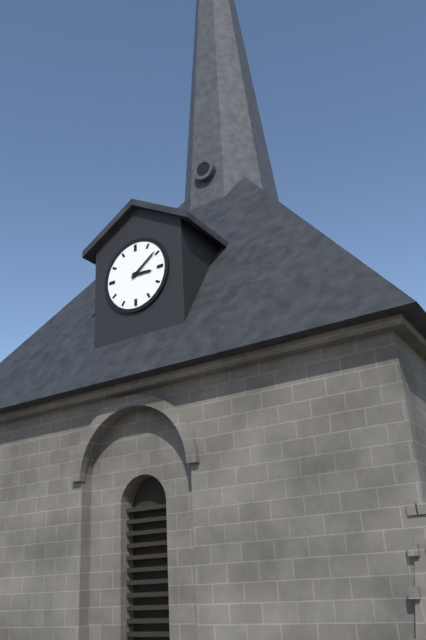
3:09
